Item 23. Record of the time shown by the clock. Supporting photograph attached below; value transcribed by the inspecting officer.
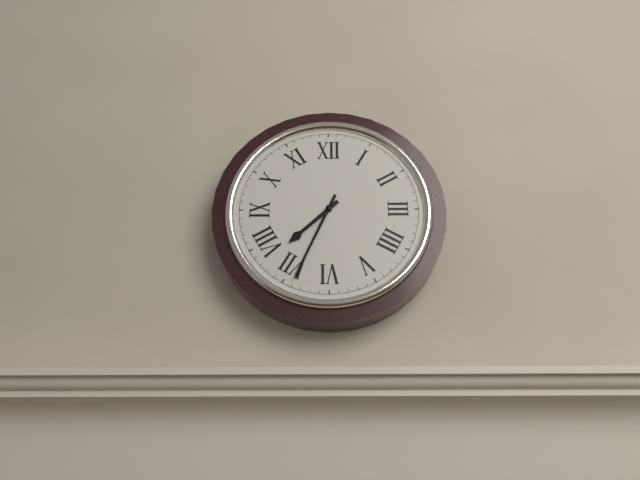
7:34
